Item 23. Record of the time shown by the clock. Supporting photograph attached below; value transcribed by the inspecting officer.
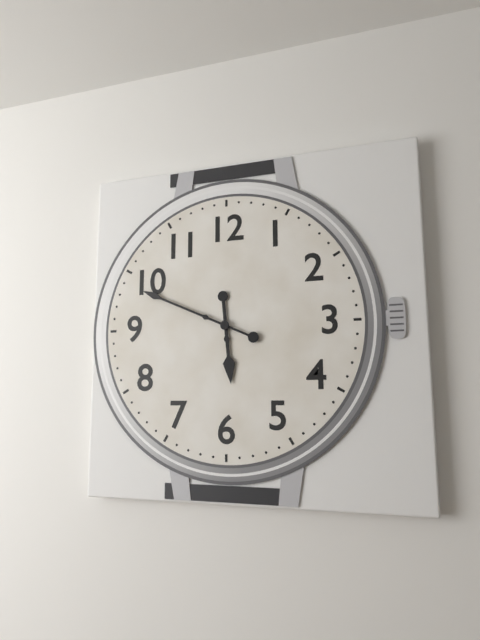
5:49
